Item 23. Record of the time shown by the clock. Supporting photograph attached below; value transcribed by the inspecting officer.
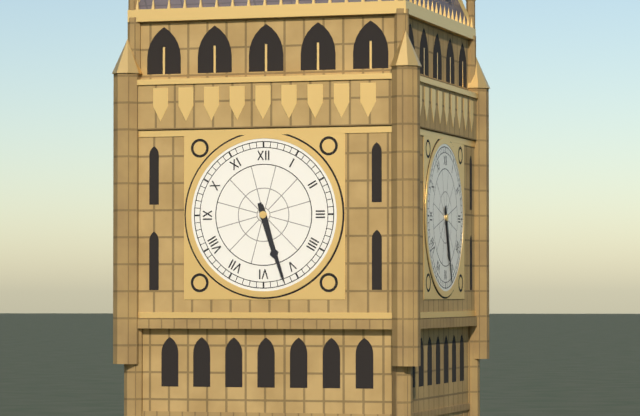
5:27
